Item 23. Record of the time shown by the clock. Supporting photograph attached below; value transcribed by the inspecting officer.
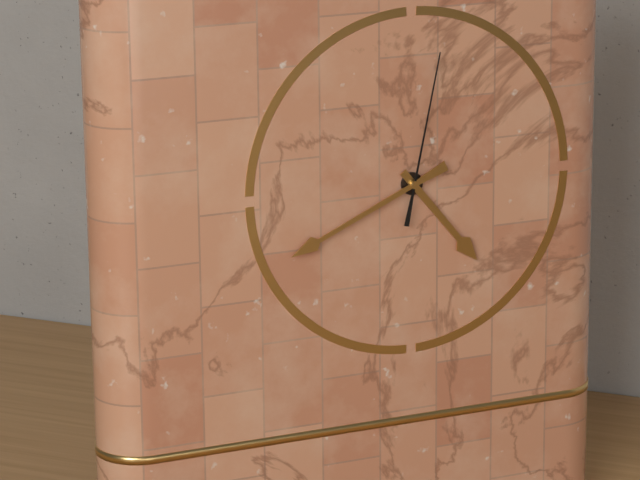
4:41:02
